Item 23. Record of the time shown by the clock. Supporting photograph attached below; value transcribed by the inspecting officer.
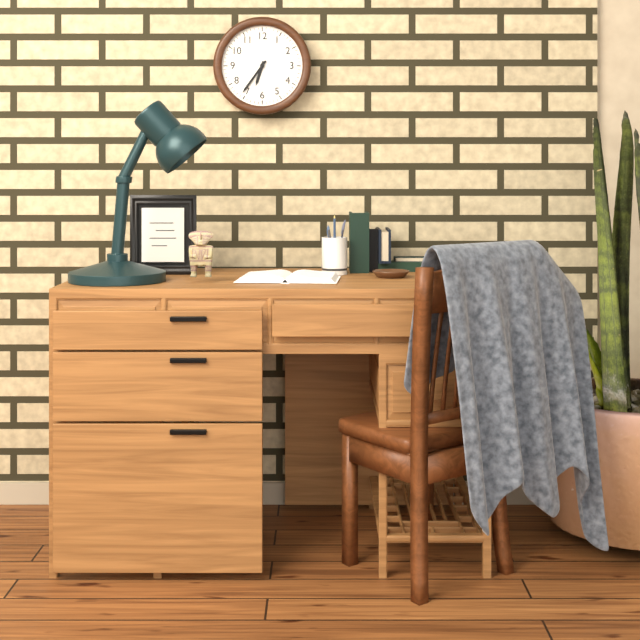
6:36
